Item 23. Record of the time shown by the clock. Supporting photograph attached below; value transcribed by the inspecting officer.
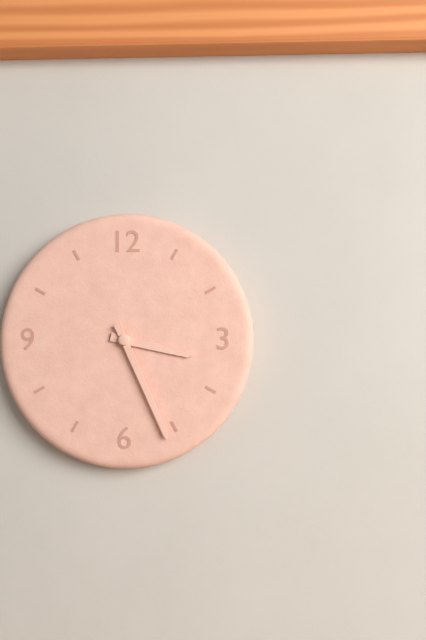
3:26
